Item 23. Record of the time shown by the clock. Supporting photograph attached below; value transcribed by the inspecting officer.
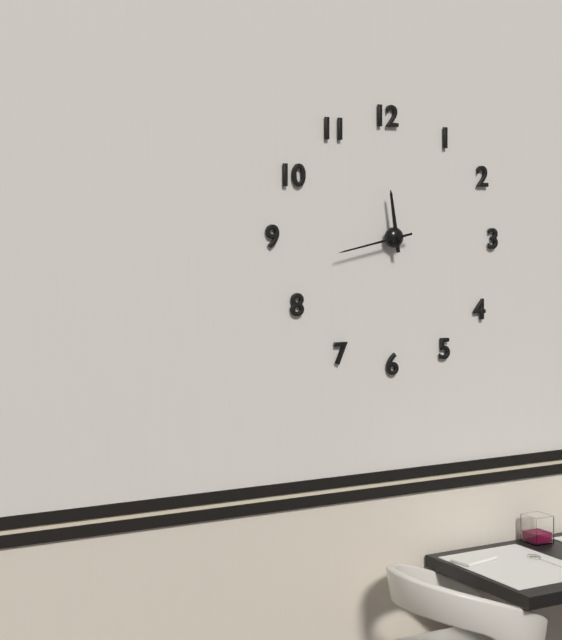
11:43
